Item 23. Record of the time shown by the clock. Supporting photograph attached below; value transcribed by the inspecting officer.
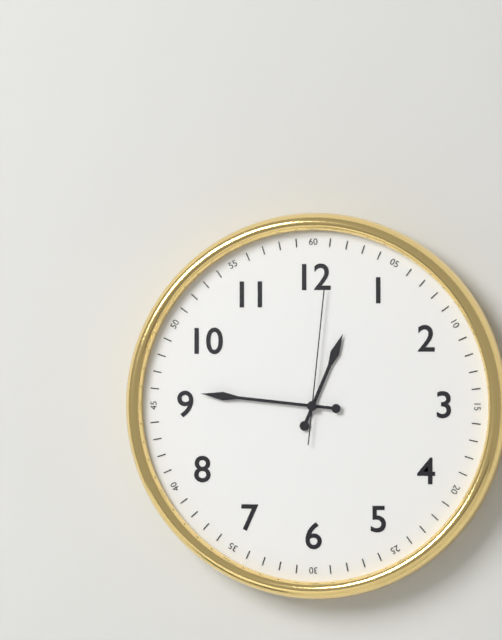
12:46:01
